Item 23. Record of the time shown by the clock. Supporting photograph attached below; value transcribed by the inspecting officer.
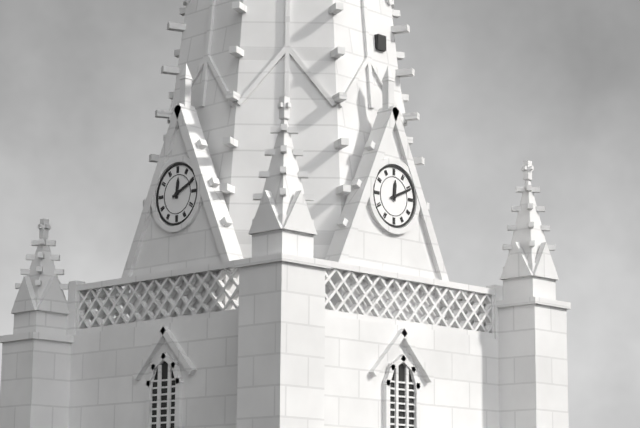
12:11
